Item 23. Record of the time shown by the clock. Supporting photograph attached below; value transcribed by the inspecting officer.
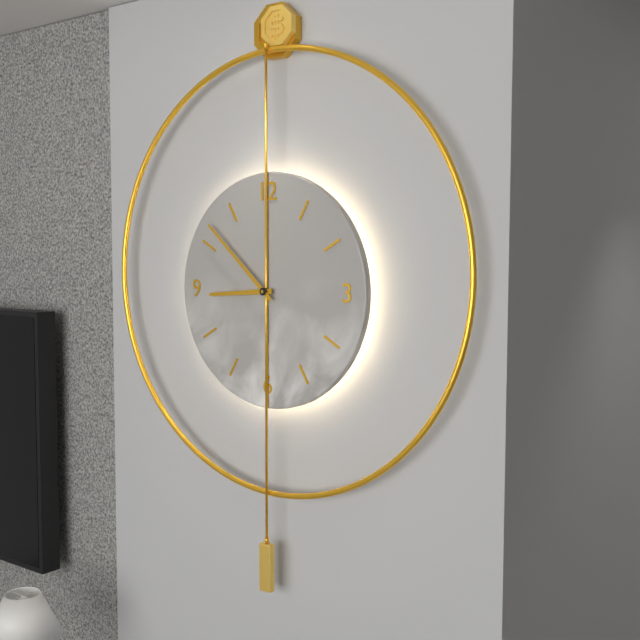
8:52
